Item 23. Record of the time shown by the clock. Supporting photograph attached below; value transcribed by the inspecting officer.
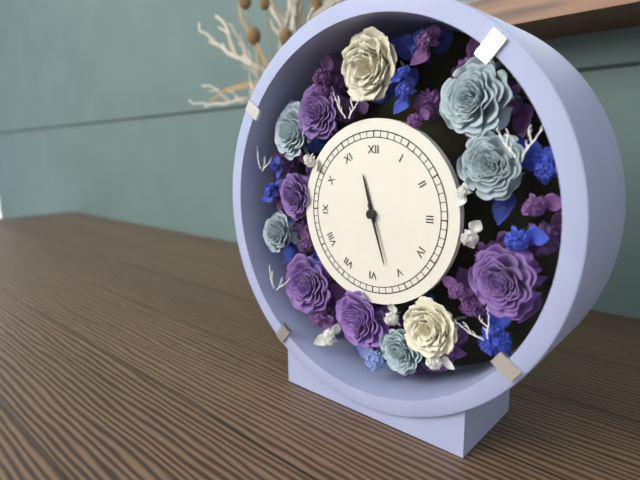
11:27
